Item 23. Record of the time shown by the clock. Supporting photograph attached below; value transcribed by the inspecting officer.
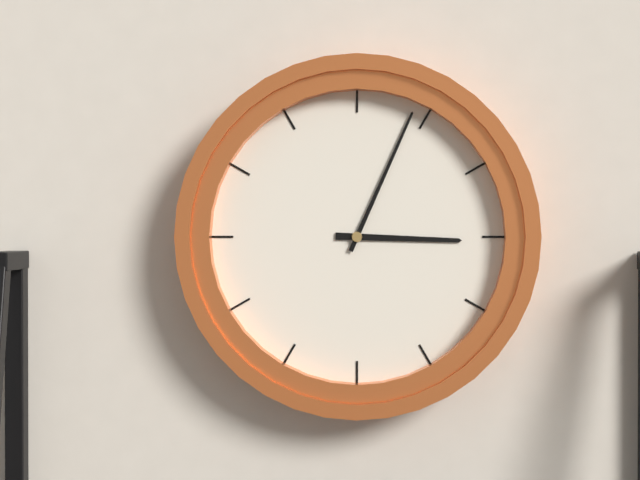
3:04
